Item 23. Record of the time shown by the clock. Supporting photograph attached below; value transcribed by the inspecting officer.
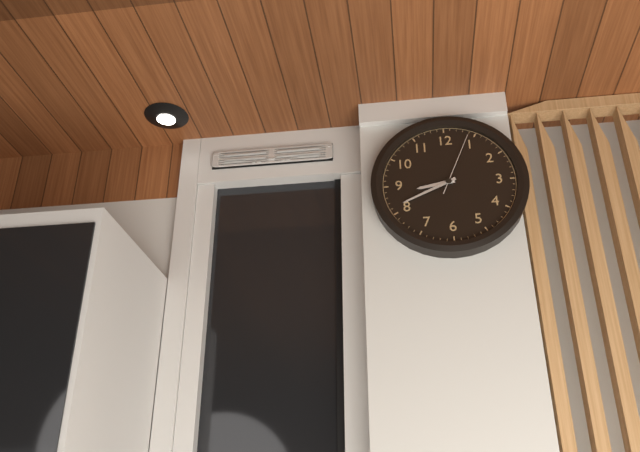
8:41:04
